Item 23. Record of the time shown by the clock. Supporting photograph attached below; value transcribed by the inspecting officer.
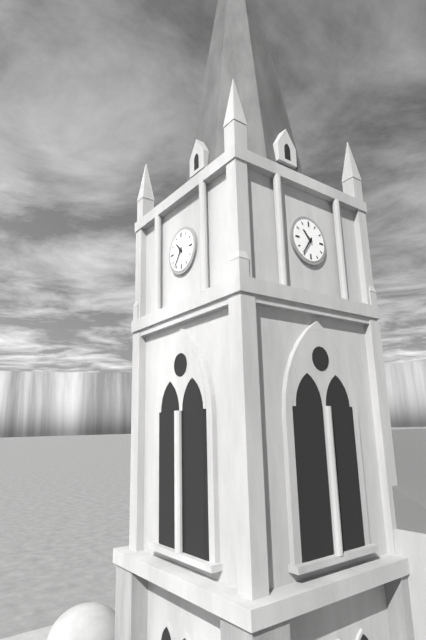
10:36
